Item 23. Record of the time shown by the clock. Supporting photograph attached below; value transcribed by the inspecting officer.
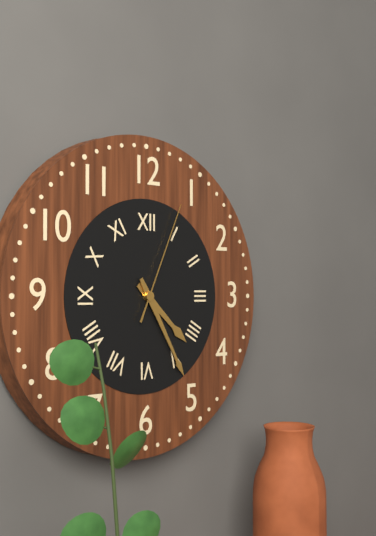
4:25:04
